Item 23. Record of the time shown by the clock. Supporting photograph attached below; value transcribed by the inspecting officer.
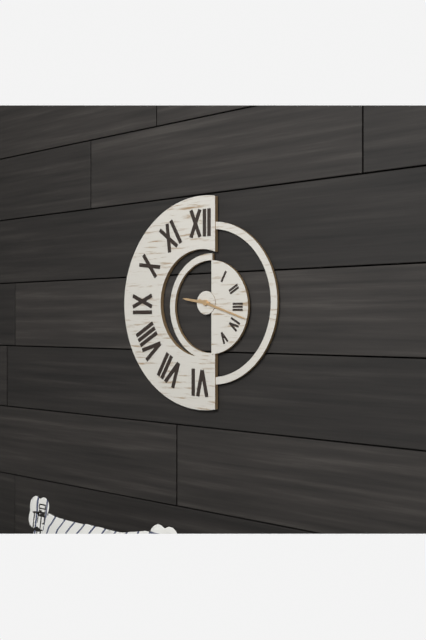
9:18
